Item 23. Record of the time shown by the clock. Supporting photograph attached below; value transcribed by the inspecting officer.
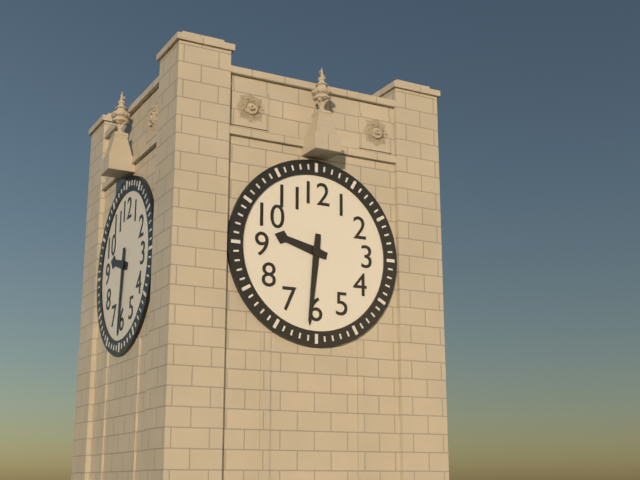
9:31
